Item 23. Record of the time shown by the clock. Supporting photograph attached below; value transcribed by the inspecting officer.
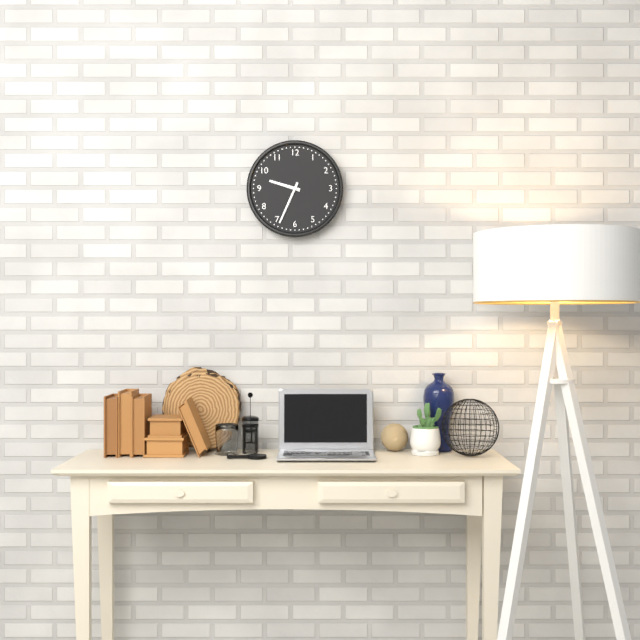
9:34
